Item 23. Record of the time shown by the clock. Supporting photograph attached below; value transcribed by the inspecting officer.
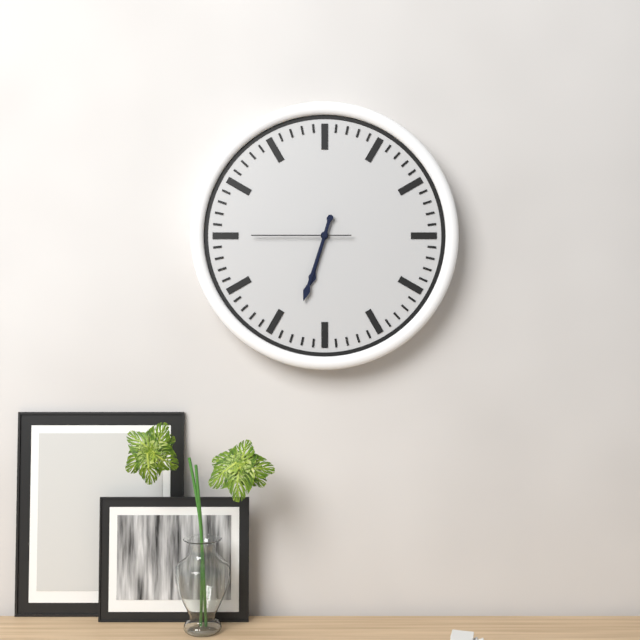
6:33:45
